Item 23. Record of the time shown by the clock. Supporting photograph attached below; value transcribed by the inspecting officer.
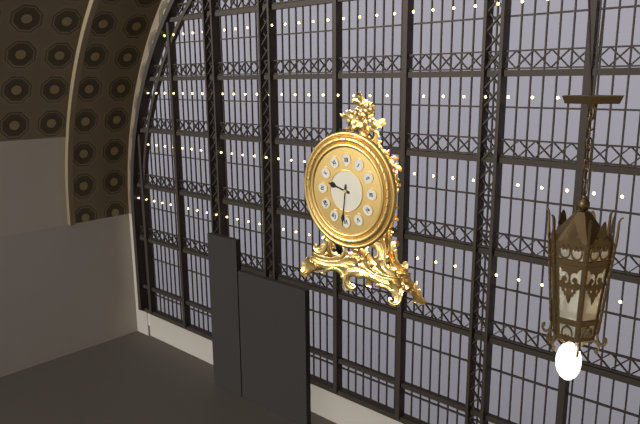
9:31
